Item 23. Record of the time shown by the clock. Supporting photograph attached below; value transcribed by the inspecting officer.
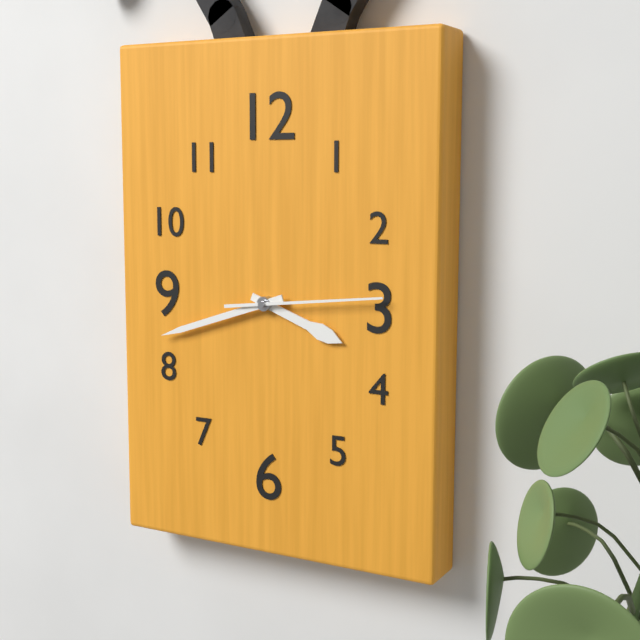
3:42:14
